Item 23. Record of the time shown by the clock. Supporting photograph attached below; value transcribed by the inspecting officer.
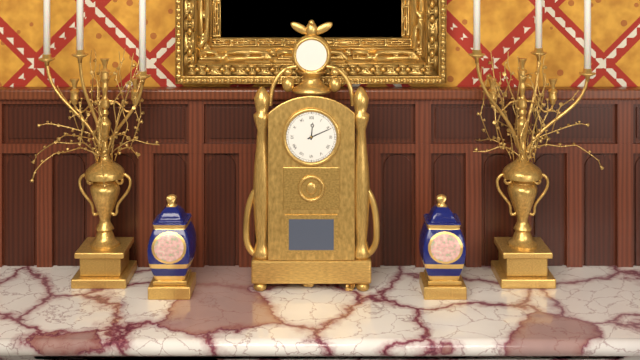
12:11
